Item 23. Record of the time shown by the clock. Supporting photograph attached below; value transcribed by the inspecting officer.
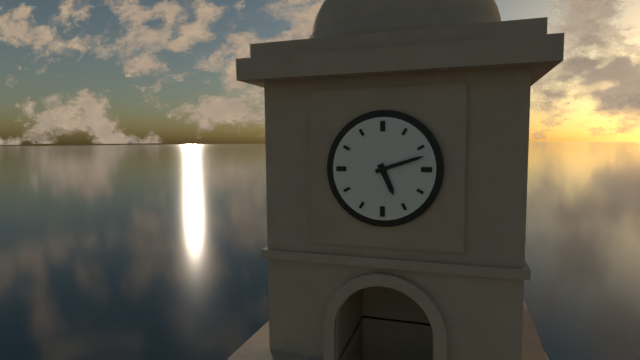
5:12
